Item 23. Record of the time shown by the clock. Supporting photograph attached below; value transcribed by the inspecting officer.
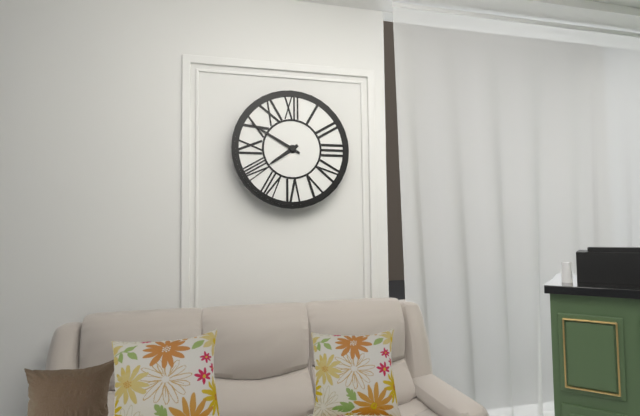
7:50
